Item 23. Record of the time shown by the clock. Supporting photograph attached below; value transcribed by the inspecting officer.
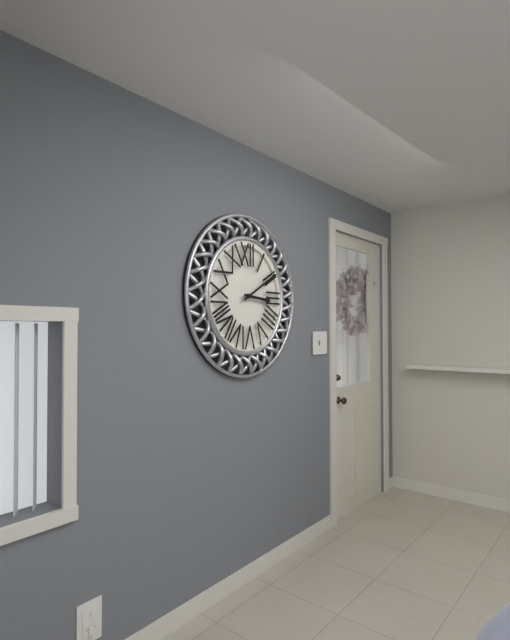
3:10
